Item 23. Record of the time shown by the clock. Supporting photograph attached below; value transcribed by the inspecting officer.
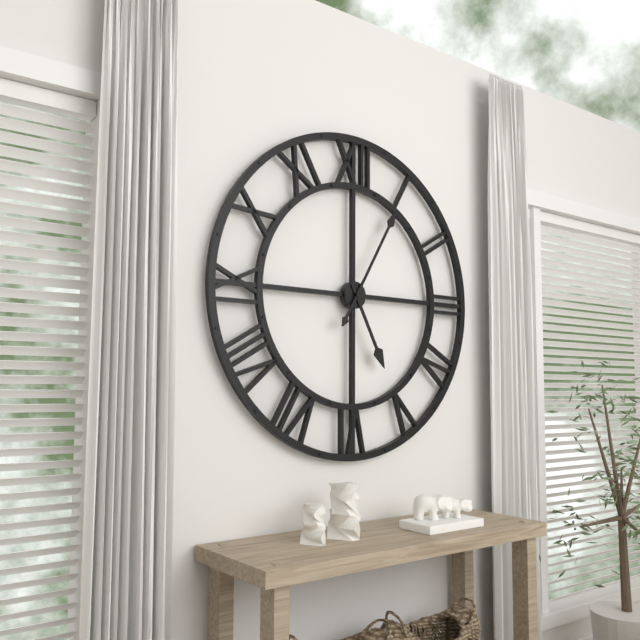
5:05
